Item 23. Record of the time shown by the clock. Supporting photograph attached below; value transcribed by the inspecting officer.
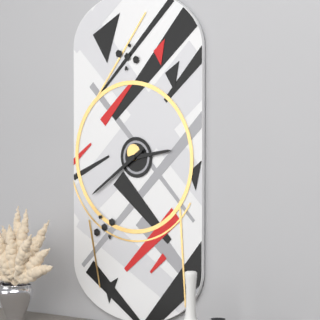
2:39
